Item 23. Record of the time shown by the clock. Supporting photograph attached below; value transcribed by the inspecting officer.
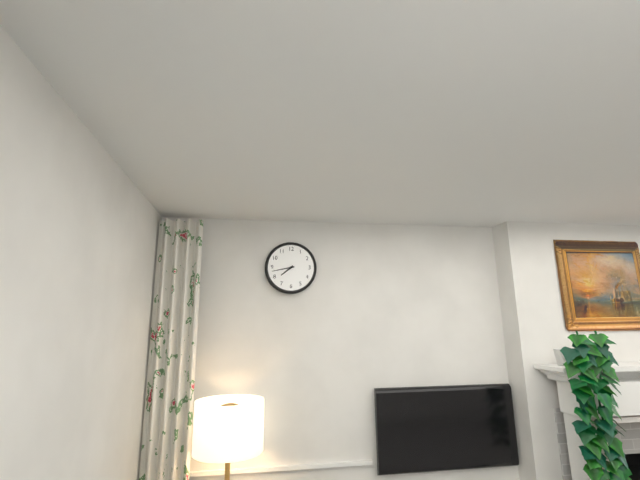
7:43
